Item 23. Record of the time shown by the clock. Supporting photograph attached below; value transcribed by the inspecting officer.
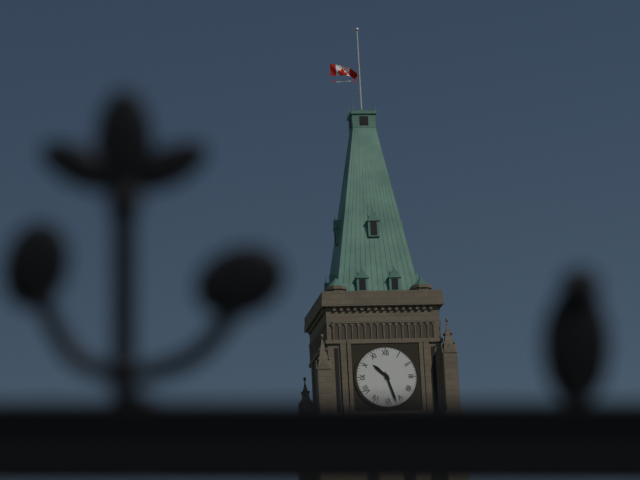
10:27
